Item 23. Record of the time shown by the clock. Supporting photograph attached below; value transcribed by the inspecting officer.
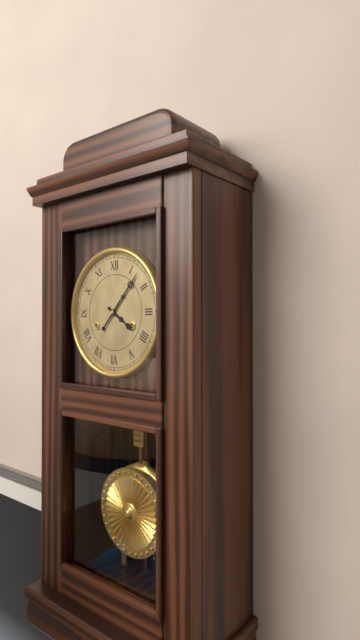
4:07
